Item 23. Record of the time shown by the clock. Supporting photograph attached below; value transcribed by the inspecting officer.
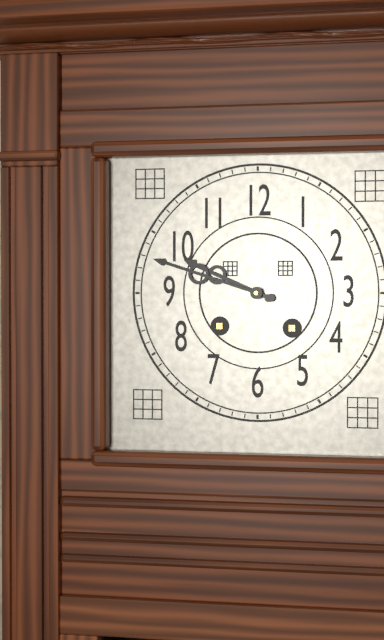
9:48
